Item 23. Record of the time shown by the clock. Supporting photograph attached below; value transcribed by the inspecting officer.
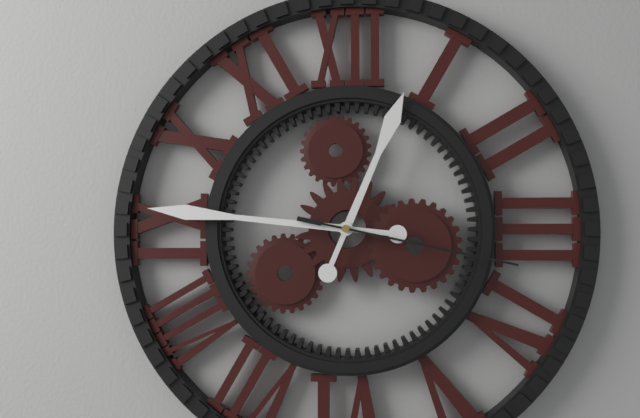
12:46:17
